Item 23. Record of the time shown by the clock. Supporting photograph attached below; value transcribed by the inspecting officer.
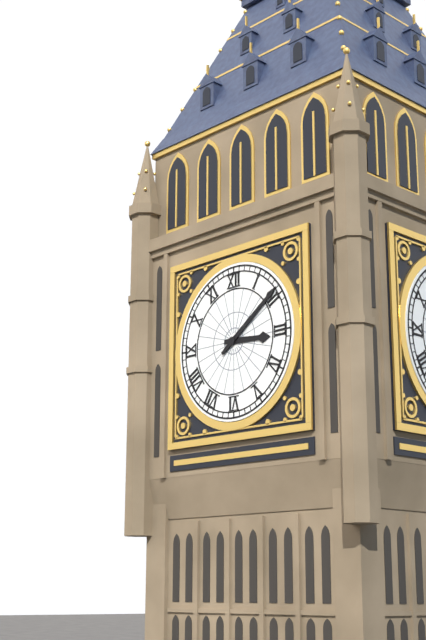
3:09
